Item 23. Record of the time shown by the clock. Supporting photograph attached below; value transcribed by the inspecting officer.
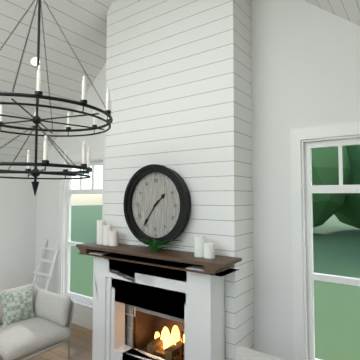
1:36
